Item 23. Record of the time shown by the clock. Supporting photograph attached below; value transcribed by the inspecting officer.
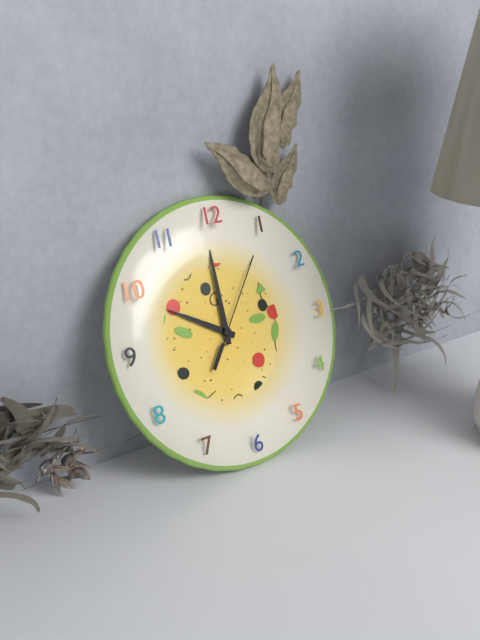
10:00:06
